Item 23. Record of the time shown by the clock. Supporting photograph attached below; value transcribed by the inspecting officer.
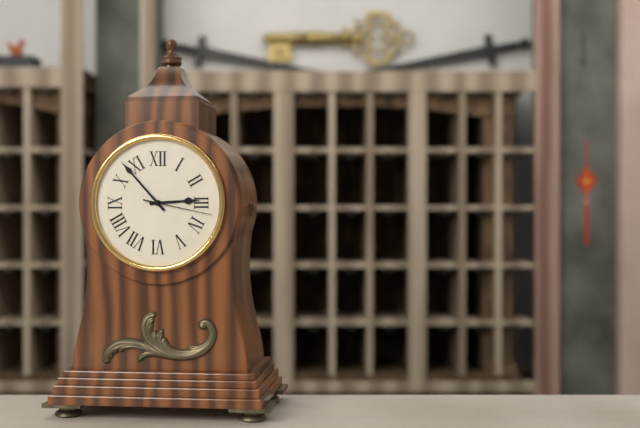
2:53:17
